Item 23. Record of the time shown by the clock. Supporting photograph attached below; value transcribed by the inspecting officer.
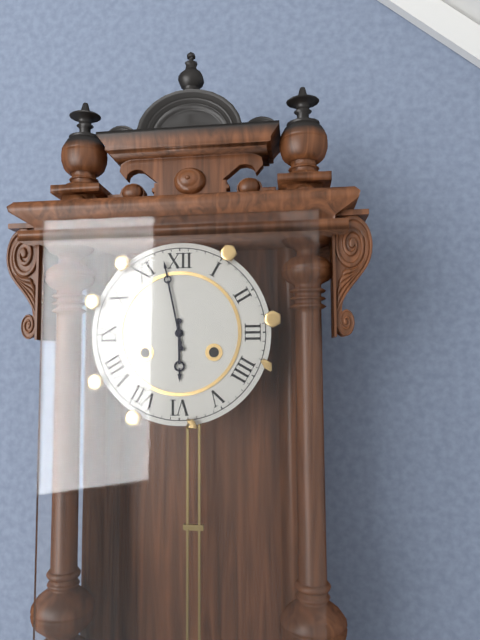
5:58
